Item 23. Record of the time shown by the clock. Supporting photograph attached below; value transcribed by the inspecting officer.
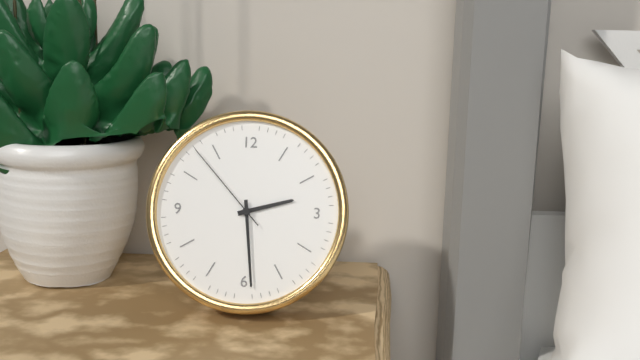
2:29:53
